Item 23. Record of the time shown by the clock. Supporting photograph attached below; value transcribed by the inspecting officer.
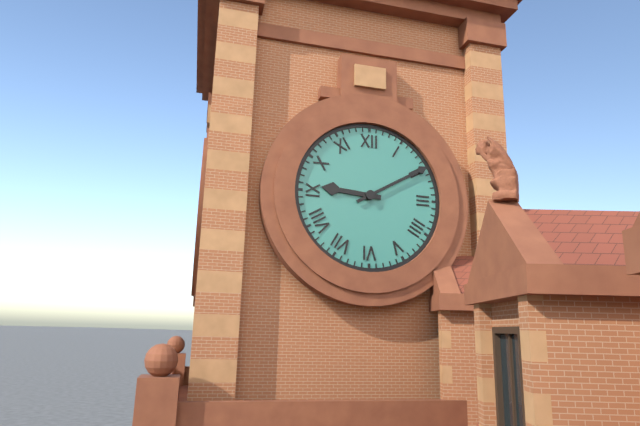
9:10
